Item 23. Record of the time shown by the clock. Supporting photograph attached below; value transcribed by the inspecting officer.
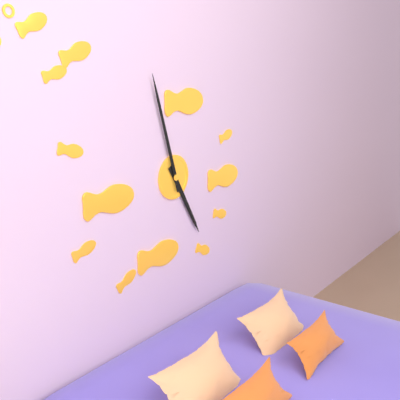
4:57
